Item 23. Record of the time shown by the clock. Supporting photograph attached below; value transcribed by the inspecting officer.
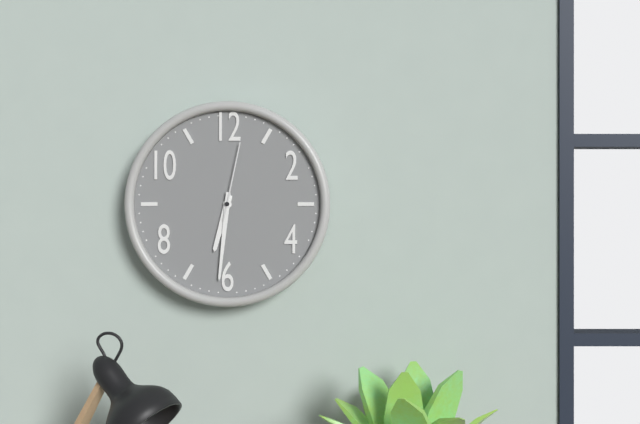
6:31:02
